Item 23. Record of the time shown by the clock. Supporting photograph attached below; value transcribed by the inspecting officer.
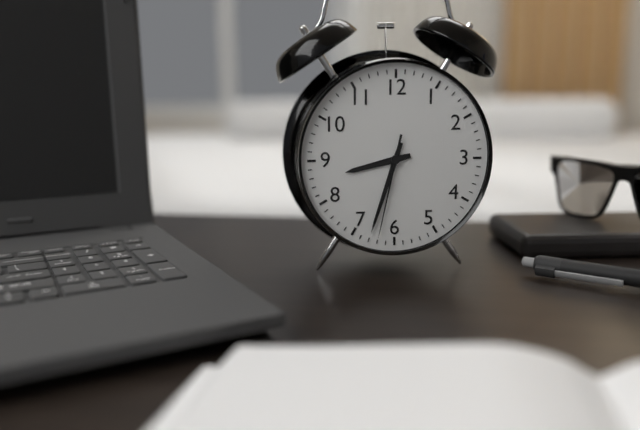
8:33:32
